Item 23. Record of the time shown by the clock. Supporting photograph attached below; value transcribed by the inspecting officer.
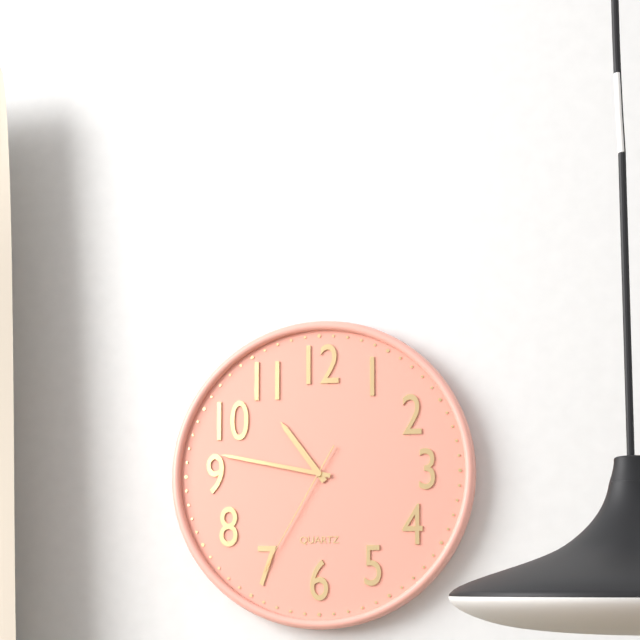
10:47:35
